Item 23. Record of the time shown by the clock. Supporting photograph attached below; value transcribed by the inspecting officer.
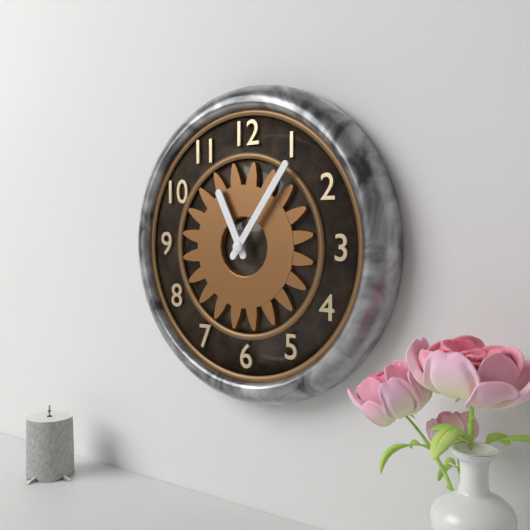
11:06
